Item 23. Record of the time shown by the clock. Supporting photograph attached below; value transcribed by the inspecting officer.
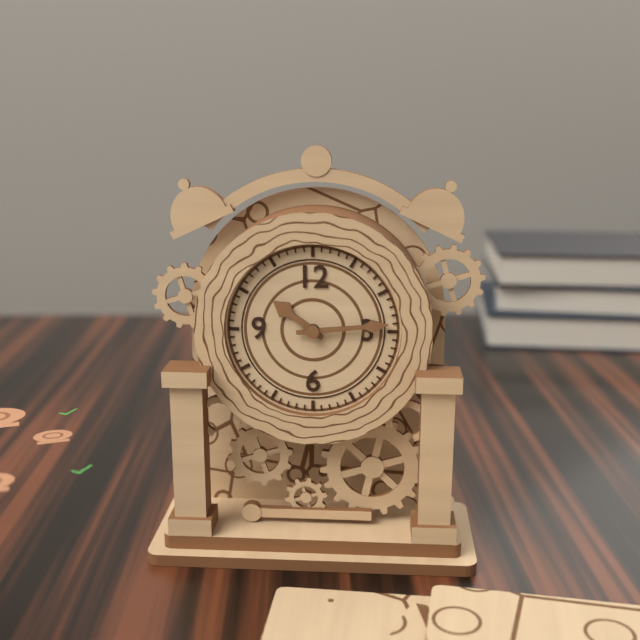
10:14
